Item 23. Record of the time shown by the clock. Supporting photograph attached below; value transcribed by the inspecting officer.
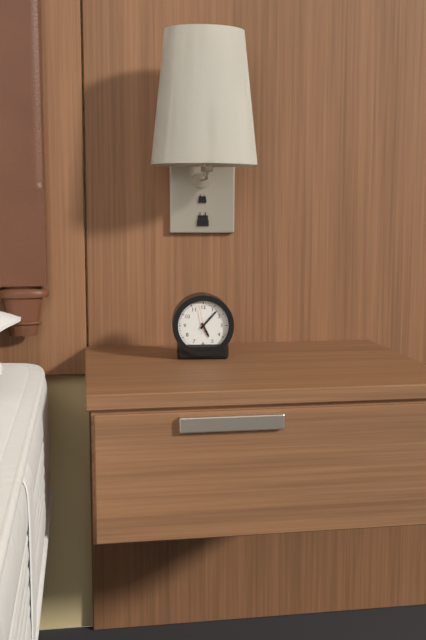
5:07
